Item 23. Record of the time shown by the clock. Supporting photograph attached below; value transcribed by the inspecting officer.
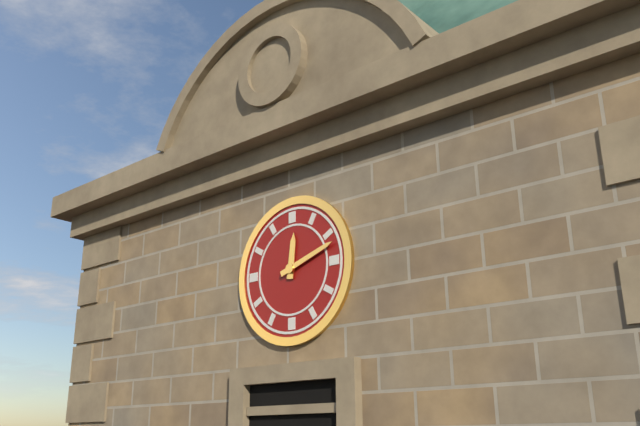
12:12
